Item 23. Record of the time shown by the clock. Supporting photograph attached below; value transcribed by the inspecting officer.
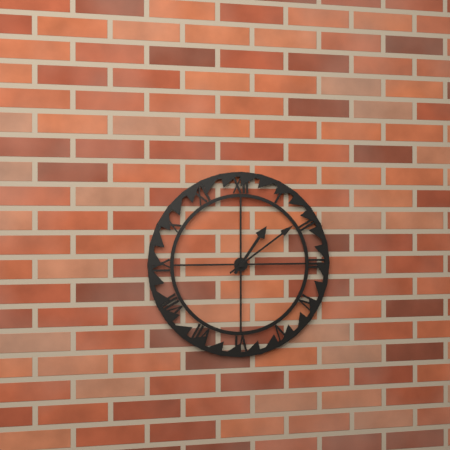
1:09
